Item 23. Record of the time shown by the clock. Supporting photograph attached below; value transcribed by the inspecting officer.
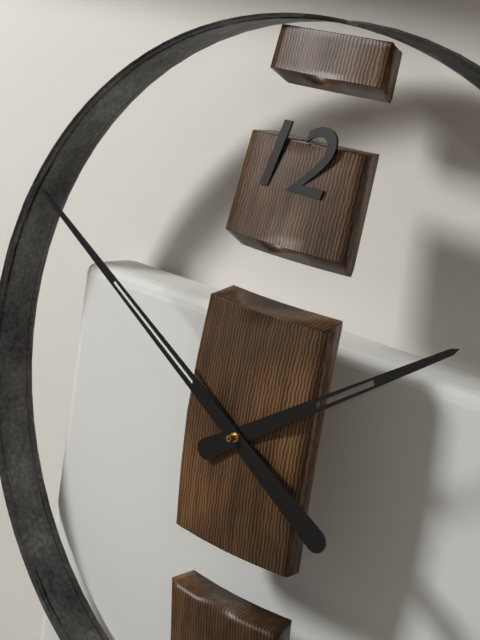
1:50
